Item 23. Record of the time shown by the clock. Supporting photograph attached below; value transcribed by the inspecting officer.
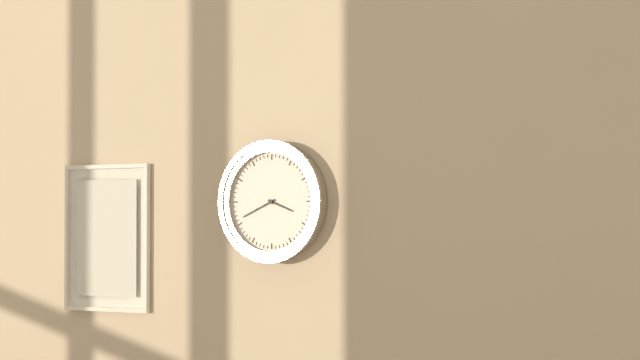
3:41
